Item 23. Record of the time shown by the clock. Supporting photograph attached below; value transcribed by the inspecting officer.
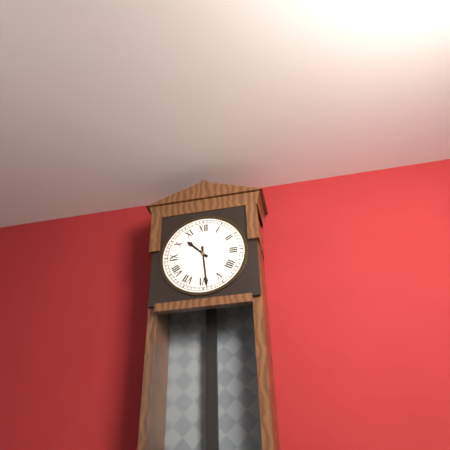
10:29
